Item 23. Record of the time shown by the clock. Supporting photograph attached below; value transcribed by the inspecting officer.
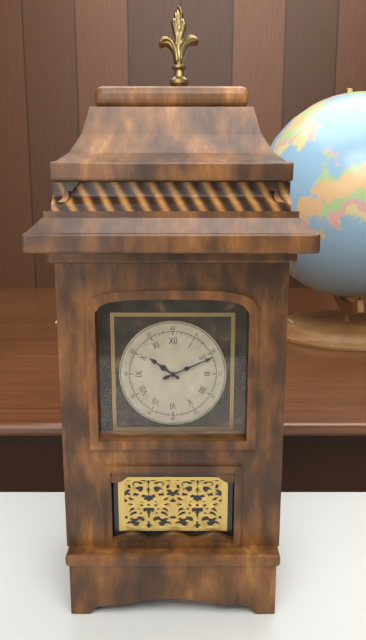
10:11
